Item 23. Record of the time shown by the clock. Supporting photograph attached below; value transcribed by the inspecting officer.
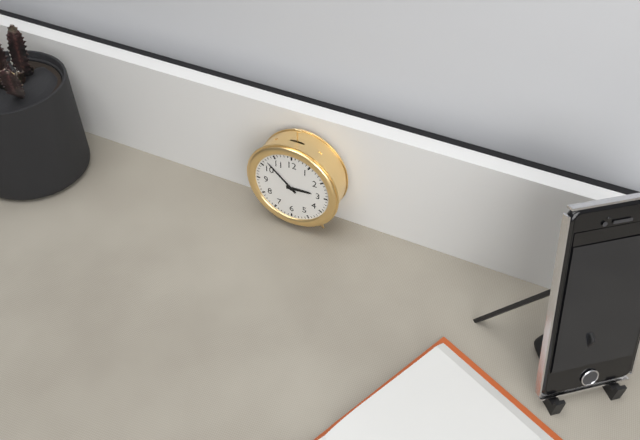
2:52
